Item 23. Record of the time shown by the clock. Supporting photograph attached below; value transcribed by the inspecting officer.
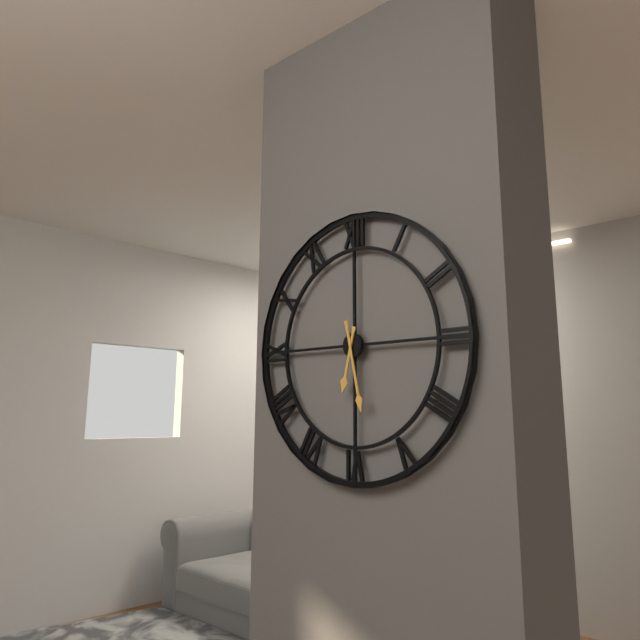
6:28
